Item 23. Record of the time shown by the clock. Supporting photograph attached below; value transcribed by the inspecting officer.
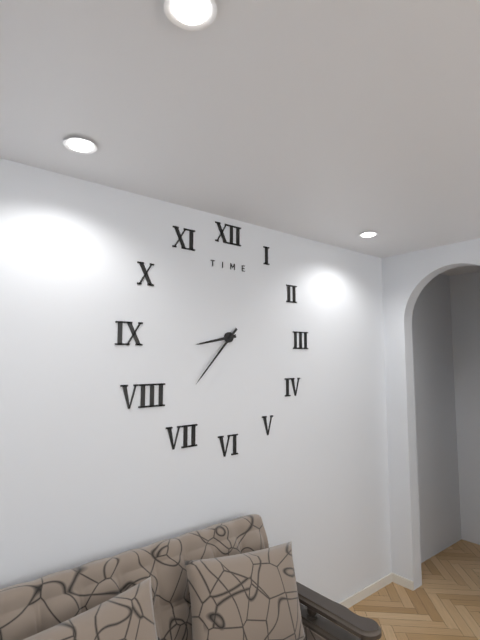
8:37
